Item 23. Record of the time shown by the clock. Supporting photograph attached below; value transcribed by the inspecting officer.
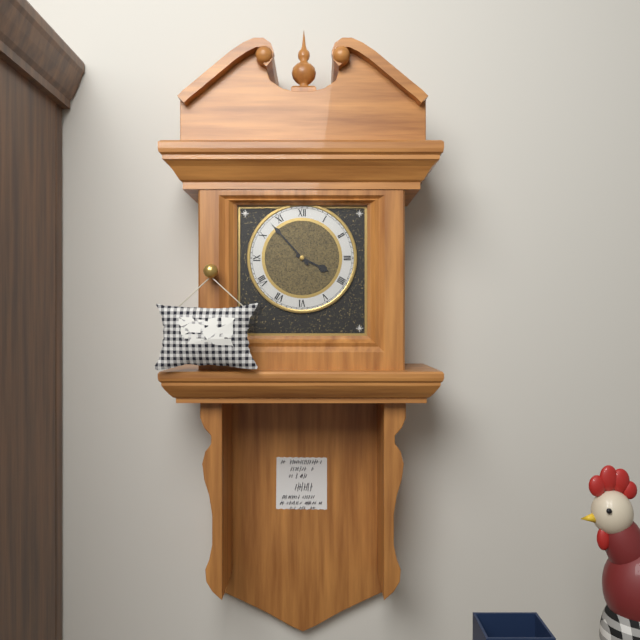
3:53
